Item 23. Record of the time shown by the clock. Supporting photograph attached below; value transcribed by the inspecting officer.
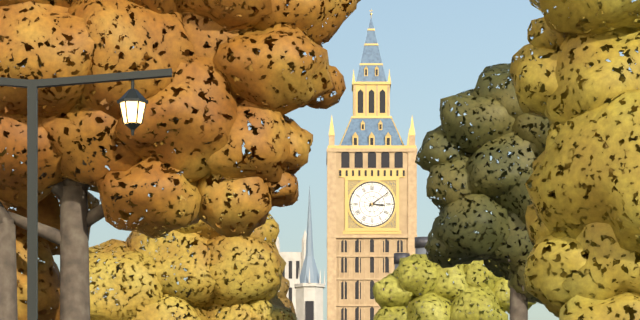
3:09
